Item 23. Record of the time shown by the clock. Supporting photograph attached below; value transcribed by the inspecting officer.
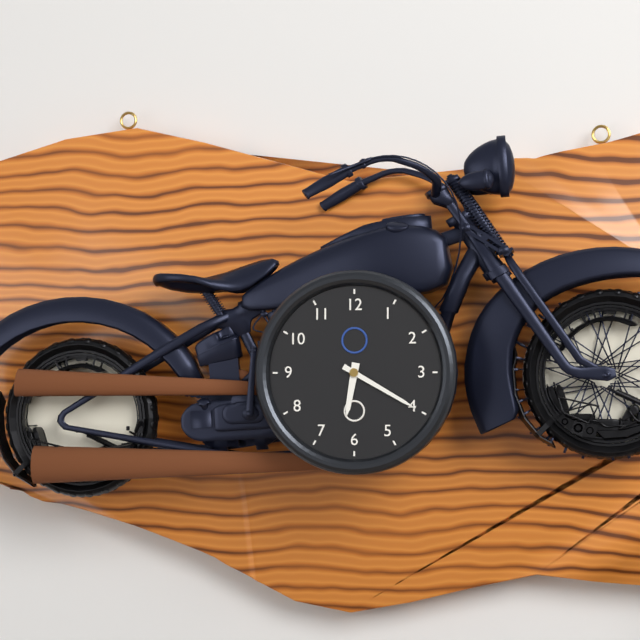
6:20
